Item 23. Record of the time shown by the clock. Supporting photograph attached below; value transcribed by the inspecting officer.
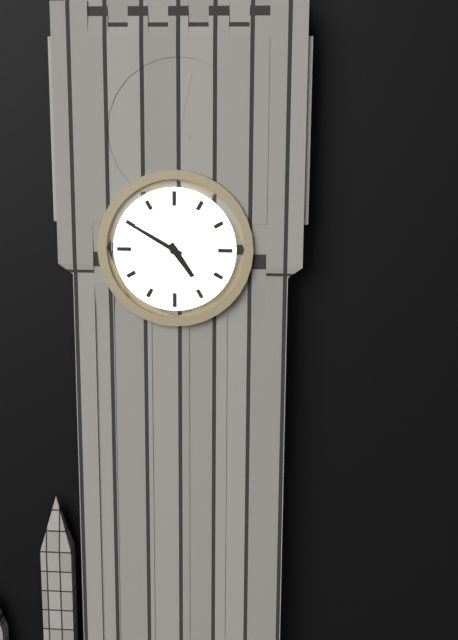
4:50
